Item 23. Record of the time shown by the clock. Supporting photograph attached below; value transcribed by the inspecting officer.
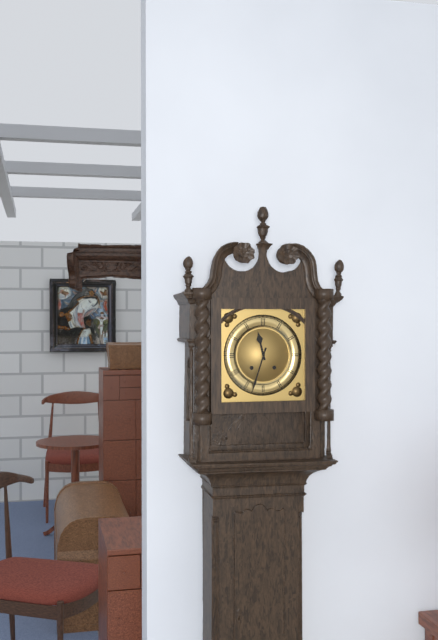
11:33
